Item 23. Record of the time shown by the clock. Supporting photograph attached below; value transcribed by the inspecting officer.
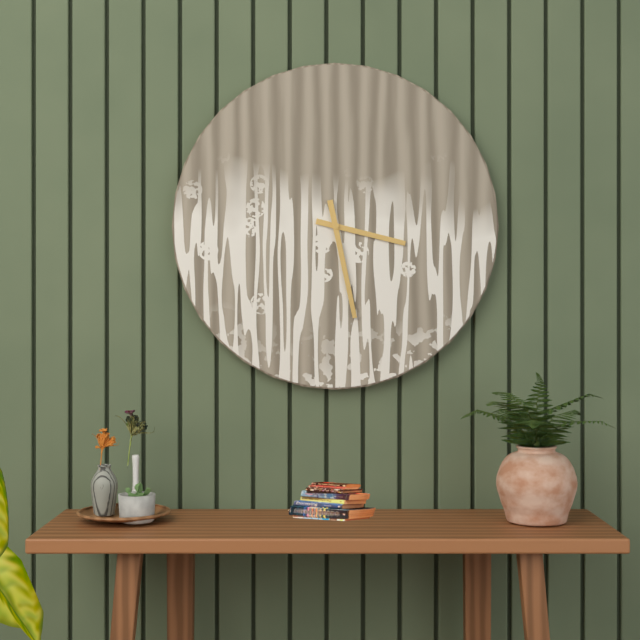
3:28
